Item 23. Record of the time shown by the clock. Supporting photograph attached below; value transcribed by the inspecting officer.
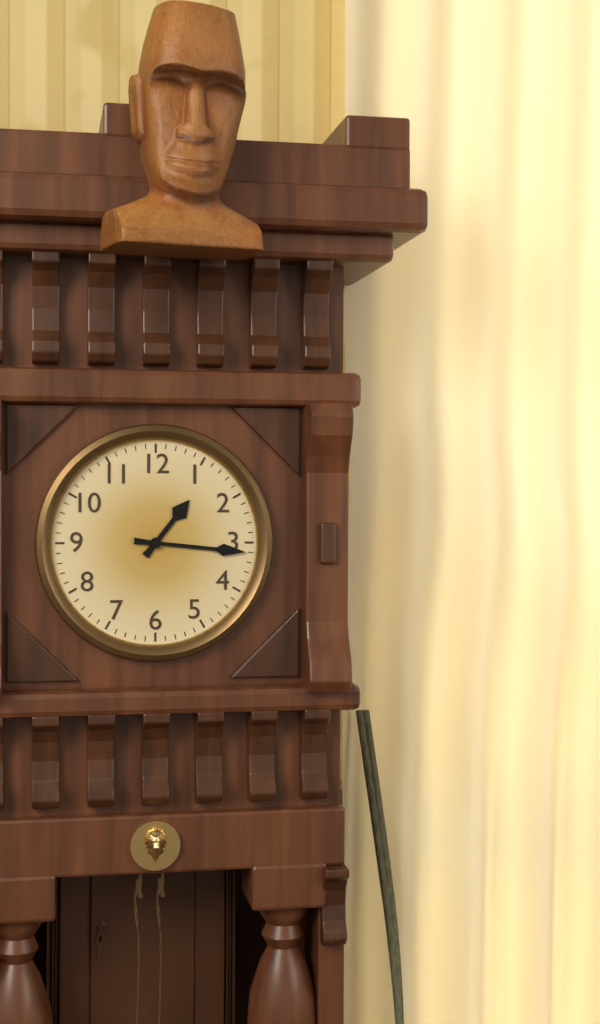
1:16
